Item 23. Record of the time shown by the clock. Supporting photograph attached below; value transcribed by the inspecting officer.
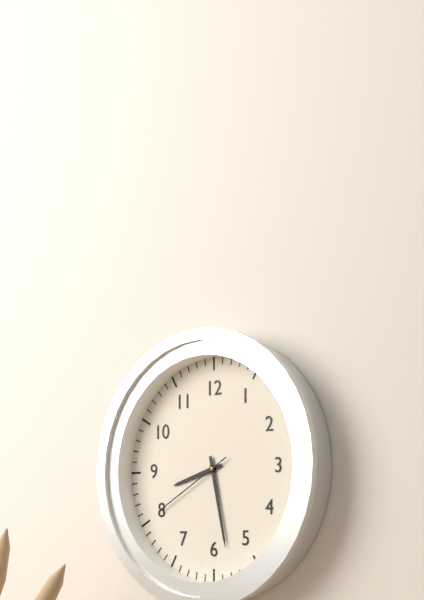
8:28:40
